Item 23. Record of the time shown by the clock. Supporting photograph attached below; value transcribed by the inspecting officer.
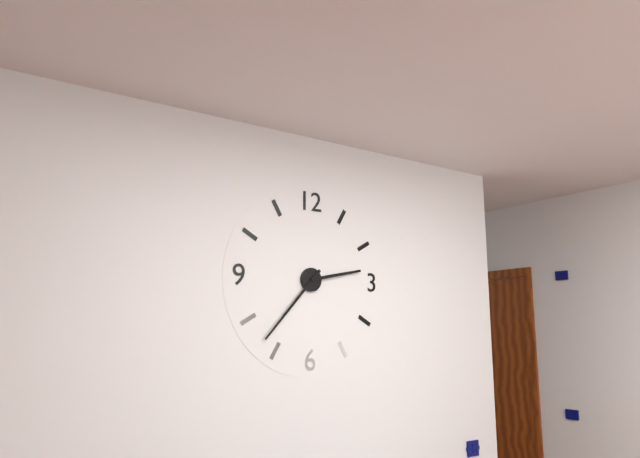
2:37
